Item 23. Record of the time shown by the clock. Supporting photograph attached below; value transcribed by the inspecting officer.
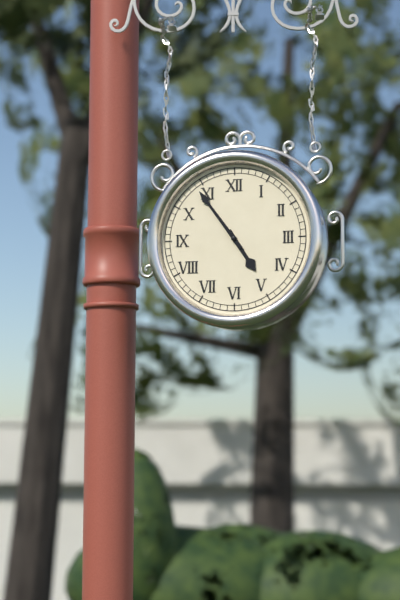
4:54
